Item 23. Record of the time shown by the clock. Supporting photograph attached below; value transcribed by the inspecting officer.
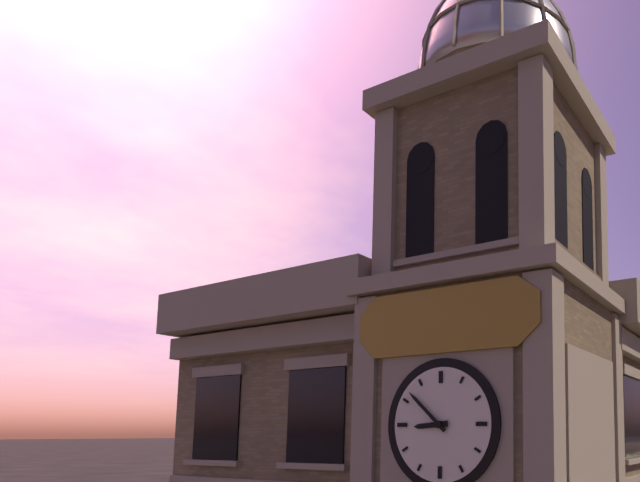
8:52
